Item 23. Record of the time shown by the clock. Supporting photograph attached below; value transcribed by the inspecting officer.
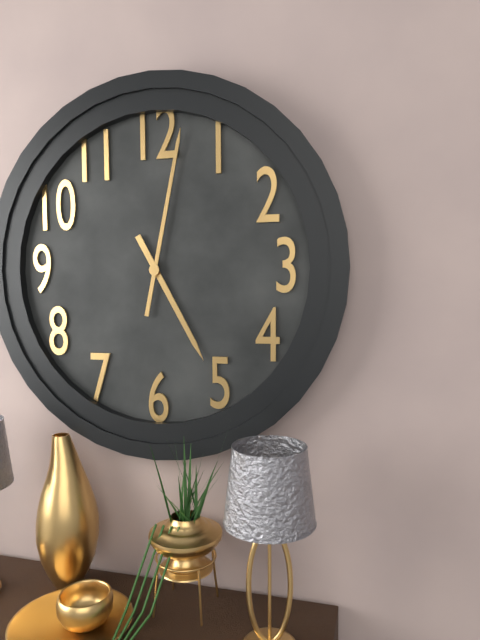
5:02
